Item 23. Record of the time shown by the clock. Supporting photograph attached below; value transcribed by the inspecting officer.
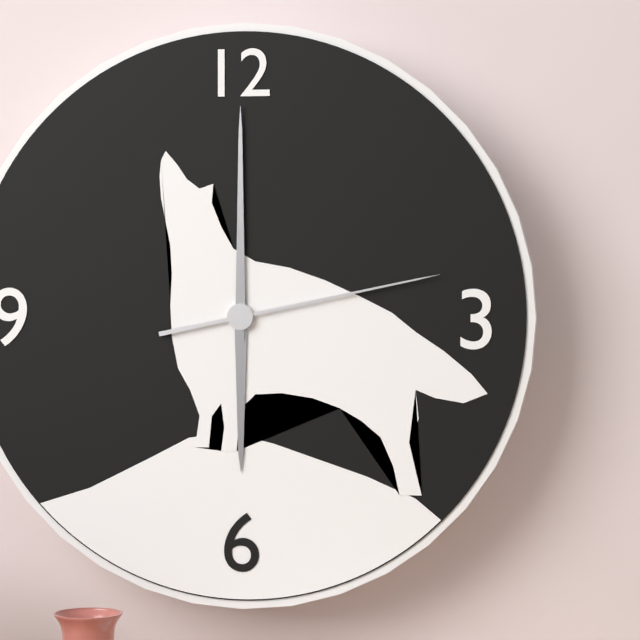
6:00:13
